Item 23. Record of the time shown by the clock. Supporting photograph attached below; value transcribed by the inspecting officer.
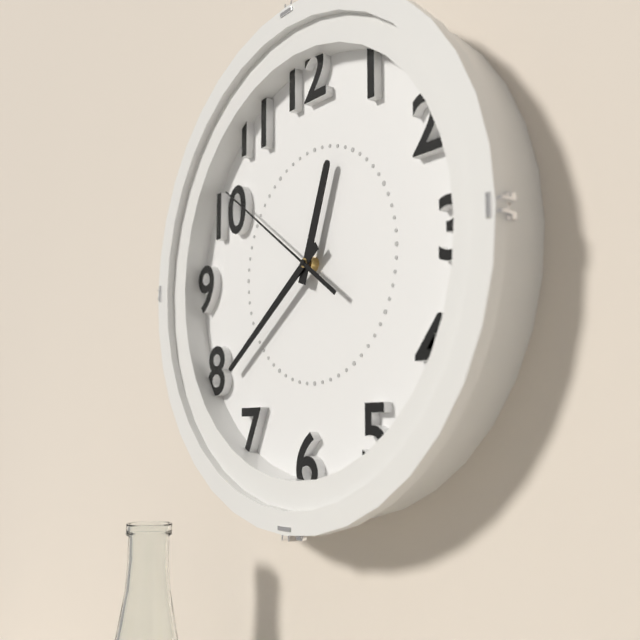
12:39:51
